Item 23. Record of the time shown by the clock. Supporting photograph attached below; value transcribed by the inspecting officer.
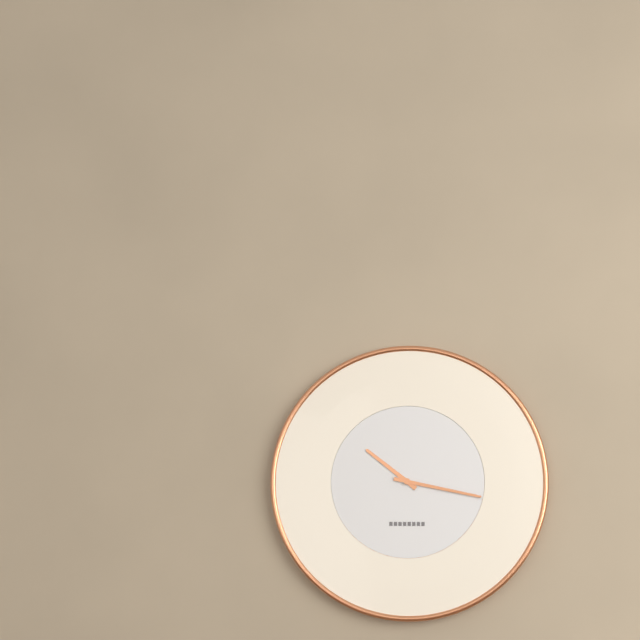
10:17
